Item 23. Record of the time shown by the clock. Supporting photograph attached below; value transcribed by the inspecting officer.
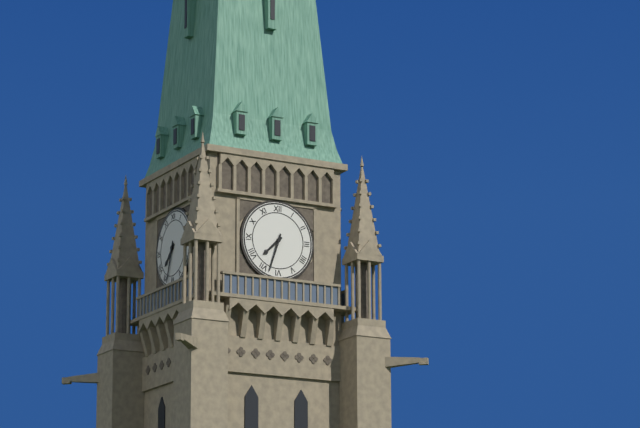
7:33
